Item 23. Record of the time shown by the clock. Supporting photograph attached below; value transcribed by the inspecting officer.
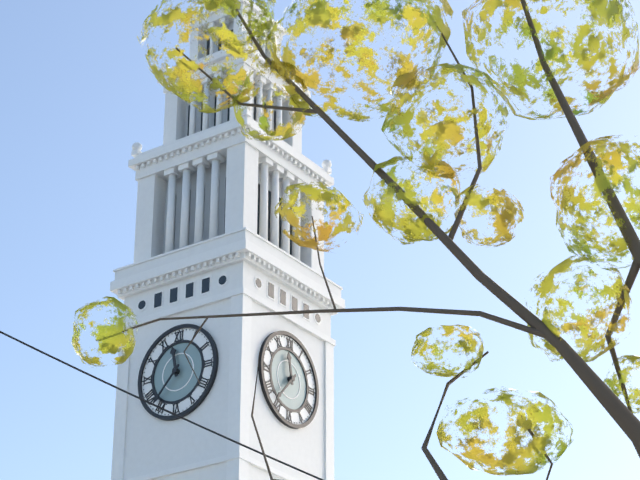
11:37
